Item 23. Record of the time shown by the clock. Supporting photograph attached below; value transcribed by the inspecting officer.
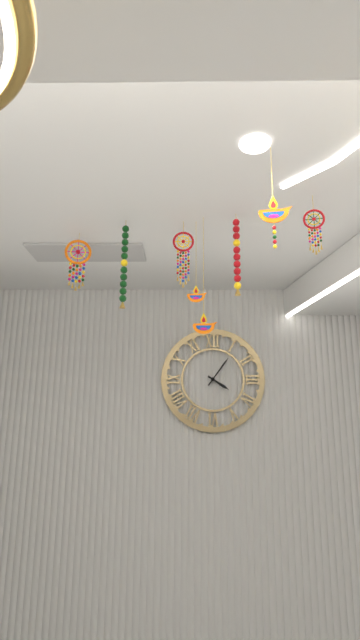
4:06
